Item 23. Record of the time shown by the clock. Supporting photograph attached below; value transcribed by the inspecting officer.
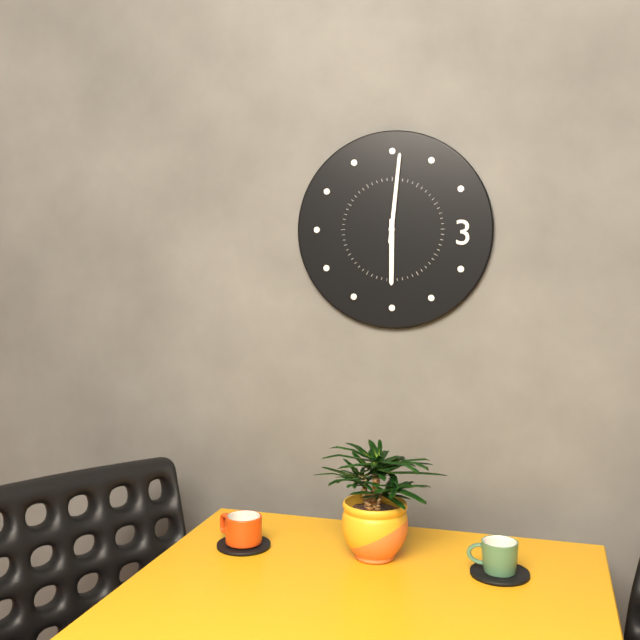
6:01
